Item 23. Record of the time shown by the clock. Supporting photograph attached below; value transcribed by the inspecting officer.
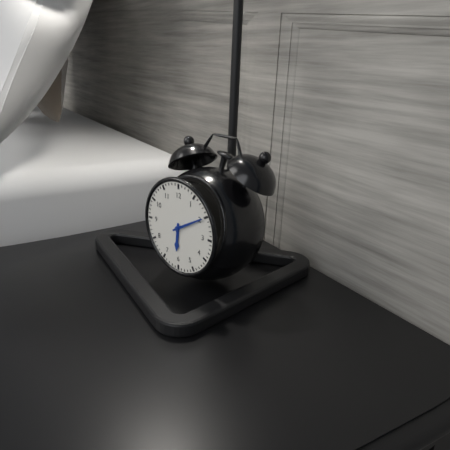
6:10
